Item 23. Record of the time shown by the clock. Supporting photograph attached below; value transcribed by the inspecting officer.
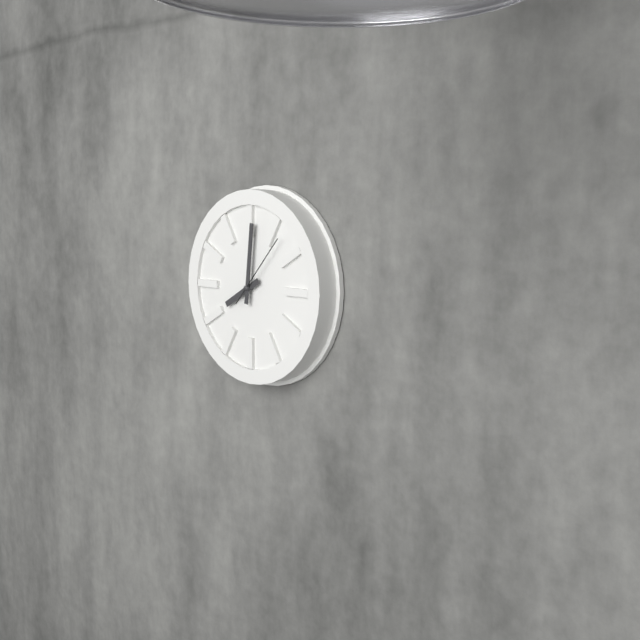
8:01:07
